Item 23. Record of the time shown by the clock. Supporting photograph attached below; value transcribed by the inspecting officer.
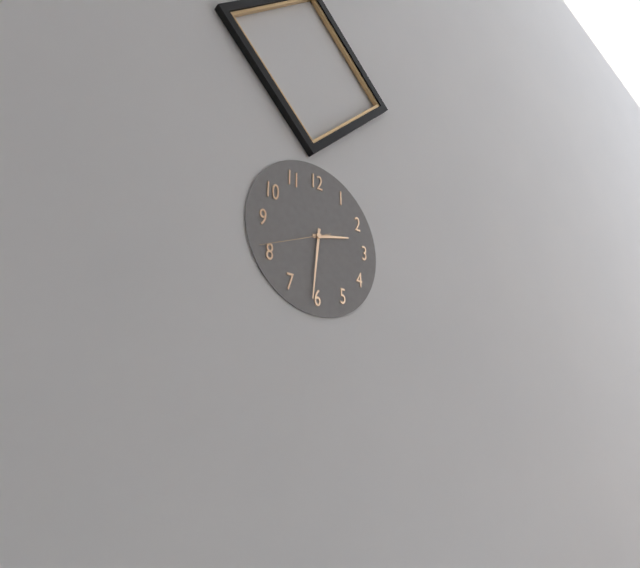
2:31:41
